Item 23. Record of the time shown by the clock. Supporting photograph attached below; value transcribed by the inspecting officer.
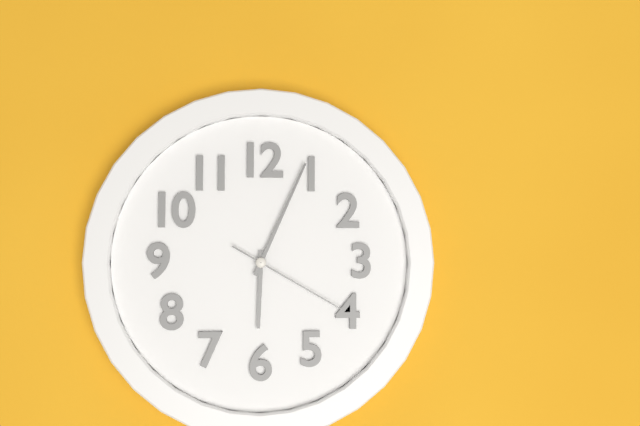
6:04:20
